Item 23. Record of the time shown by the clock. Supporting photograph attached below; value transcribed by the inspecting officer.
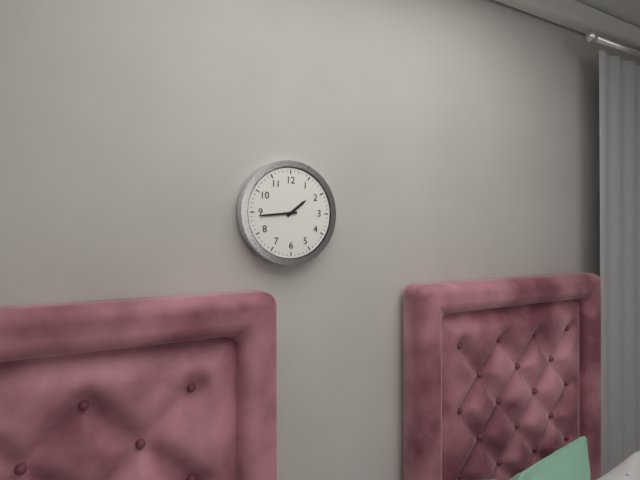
1:44
